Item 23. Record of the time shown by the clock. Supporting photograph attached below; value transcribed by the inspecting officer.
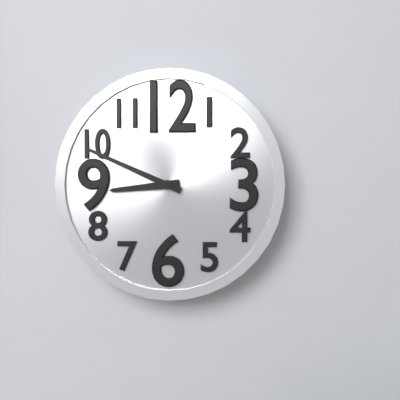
8:49
